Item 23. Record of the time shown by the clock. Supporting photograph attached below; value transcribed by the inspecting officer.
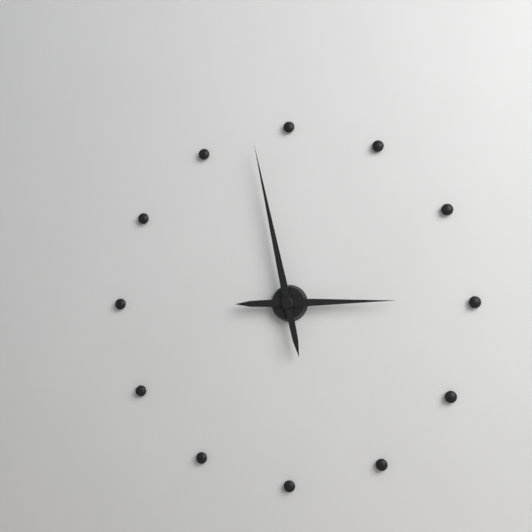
2:58
